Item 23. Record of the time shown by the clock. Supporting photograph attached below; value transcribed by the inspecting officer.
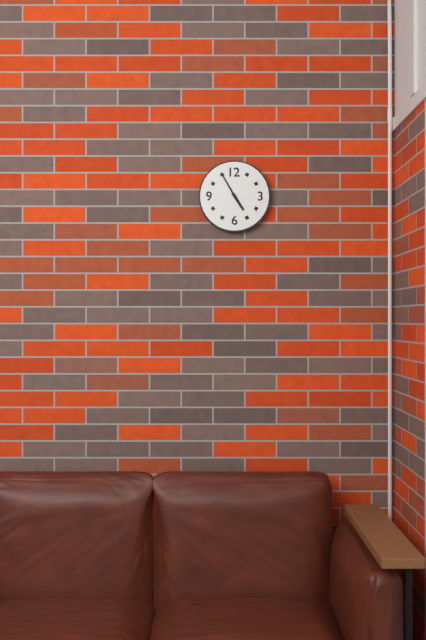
4:55
